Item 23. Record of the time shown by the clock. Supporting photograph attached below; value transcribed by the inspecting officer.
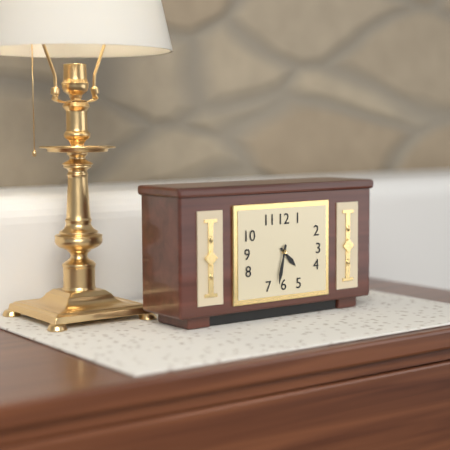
4:32
